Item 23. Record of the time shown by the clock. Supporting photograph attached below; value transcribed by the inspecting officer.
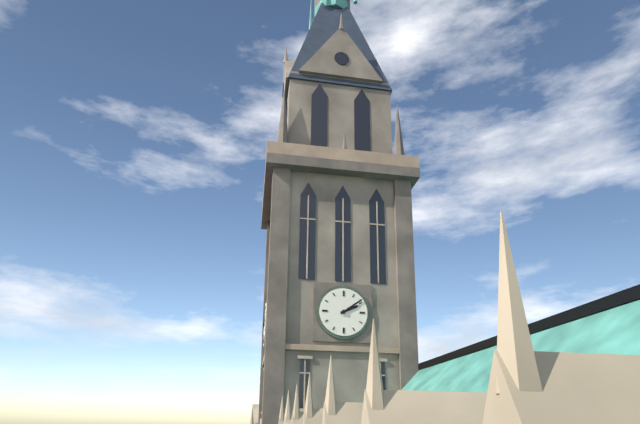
2:09
